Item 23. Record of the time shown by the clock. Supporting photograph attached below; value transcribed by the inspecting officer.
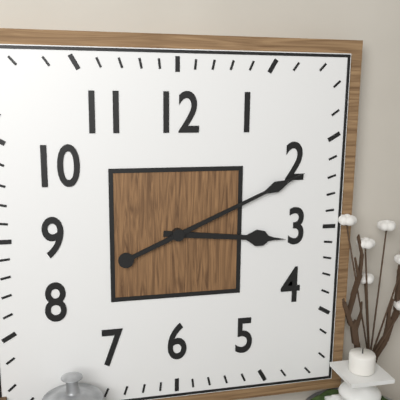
3:11
